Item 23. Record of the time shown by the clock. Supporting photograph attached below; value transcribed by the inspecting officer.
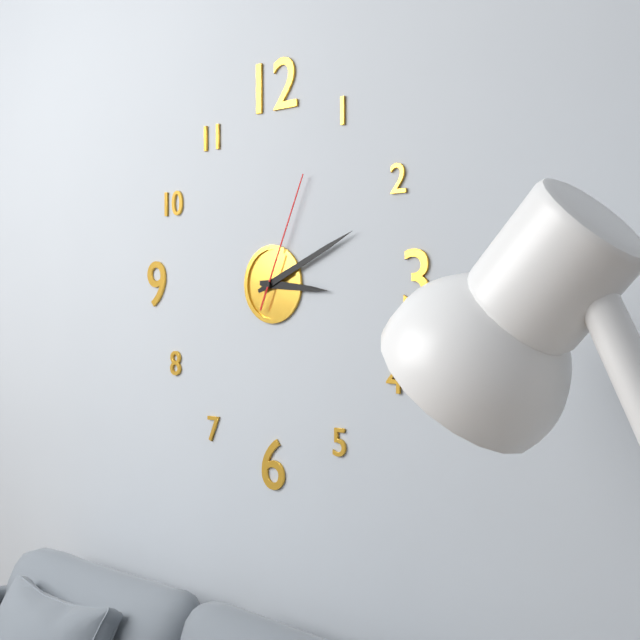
3:11:04
